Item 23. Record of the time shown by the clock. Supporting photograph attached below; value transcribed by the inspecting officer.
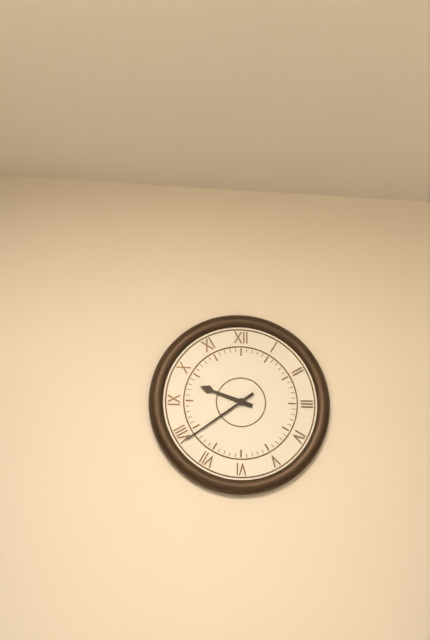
9:39
